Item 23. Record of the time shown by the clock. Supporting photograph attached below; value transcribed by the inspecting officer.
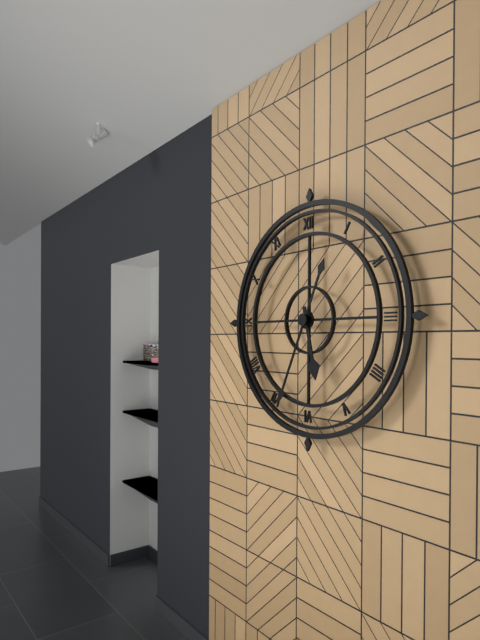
5:34
